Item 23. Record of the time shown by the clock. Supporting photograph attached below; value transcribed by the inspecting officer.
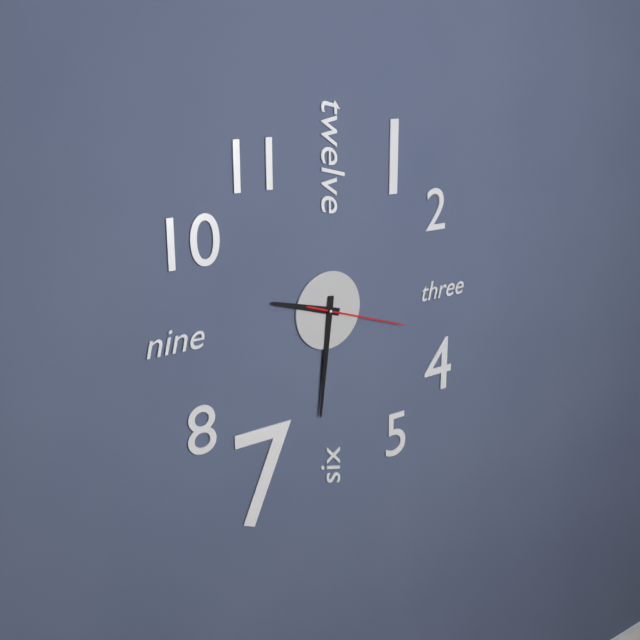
9:31:18
